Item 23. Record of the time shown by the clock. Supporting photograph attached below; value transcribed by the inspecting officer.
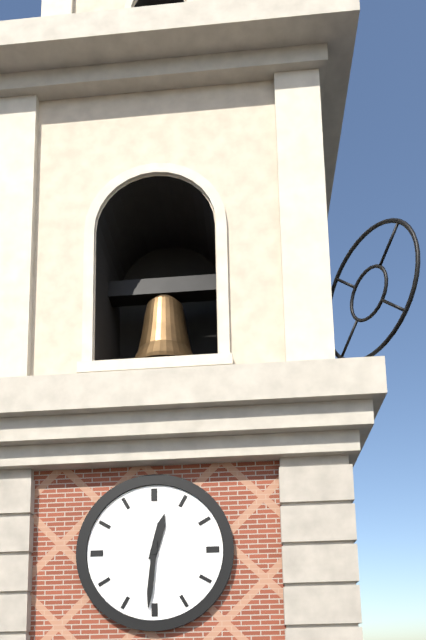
12:31
